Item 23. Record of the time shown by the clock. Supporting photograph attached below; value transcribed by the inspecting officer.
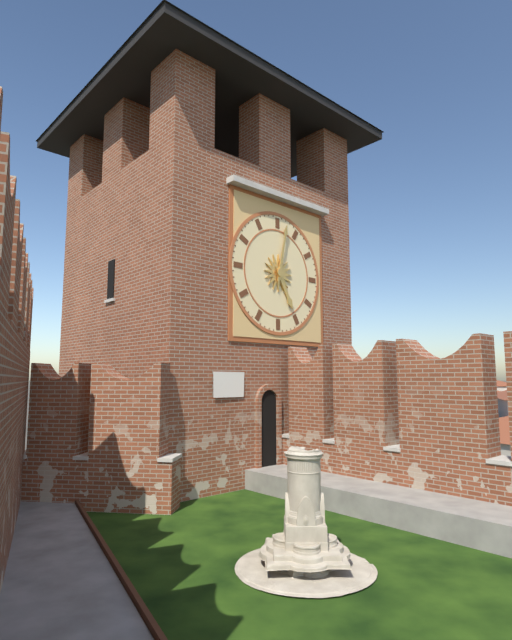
5:02
